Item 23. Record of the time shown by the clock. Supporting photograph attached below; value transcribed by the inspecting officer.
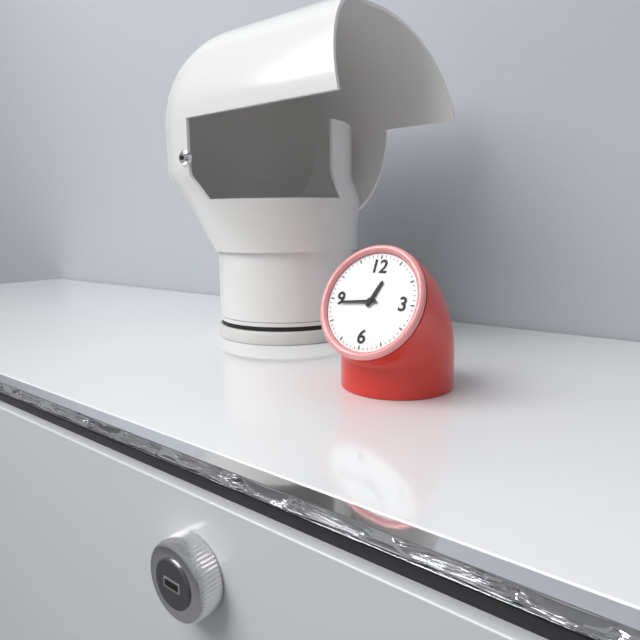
12:44
